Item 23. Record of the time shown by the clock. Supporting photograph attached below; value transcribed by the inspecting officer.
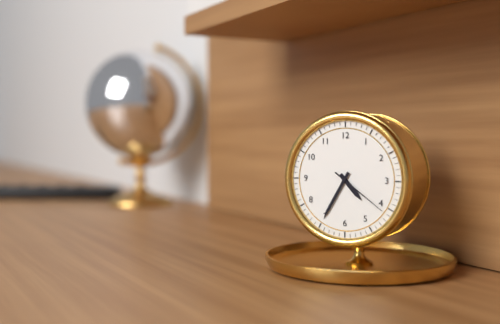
4:35:21
